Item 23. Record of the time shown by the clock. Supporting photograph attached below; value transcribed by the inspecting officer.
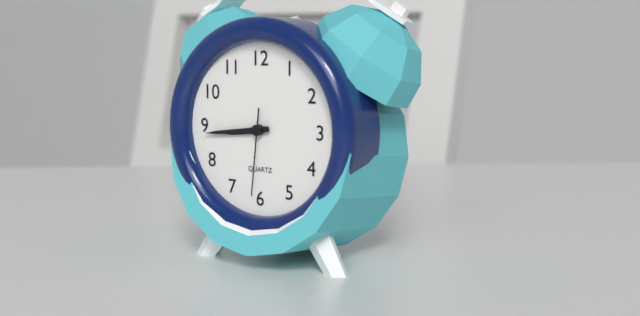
8:44:31
